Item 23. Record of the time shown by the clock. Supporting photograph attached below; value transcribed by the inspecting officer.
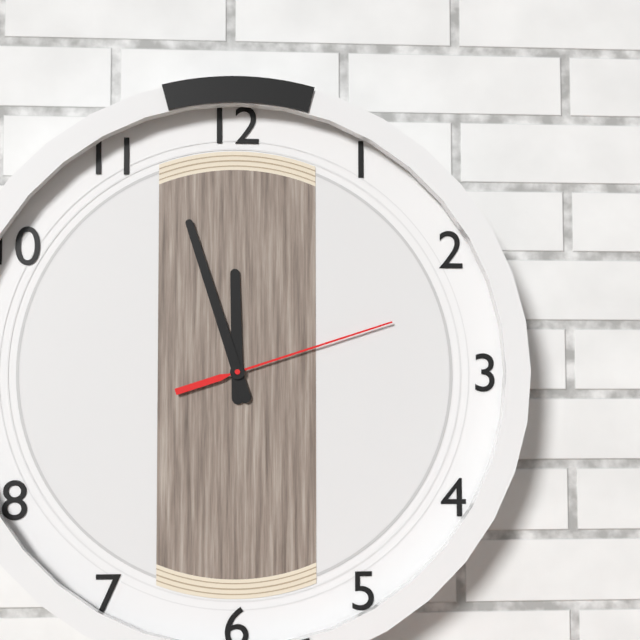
11:57:12
